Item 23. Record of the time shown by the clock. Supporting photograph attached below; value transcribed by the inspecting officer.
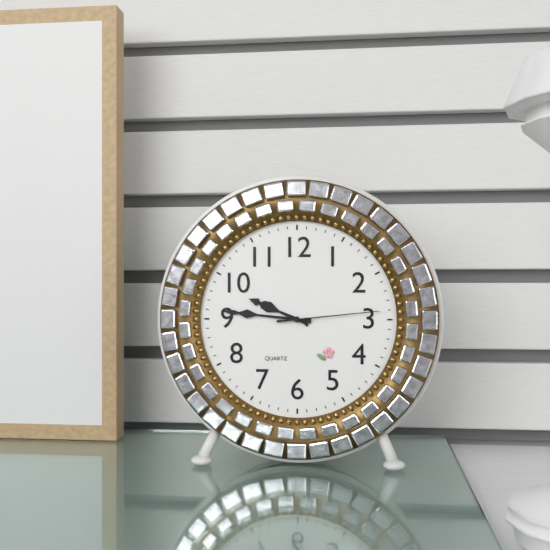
9:46:14
